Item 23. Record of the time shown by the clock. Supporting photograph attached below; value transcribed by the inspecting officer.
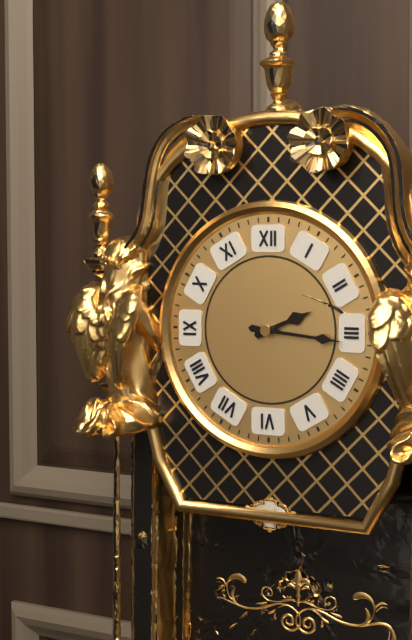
2:16
